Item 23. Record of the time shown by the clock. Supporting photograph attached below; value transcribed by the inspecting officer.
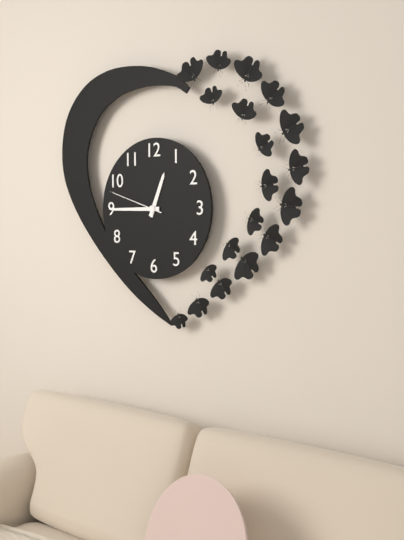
12:45:48
